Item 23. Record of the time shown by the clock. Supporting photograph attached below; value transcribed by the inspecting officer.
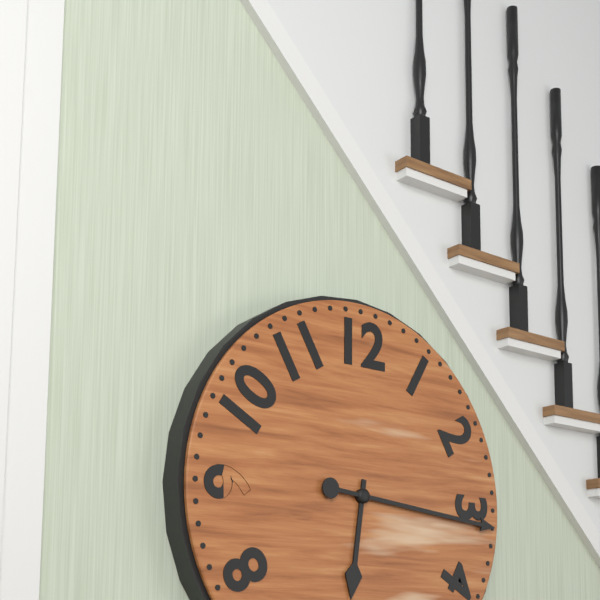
6:16
